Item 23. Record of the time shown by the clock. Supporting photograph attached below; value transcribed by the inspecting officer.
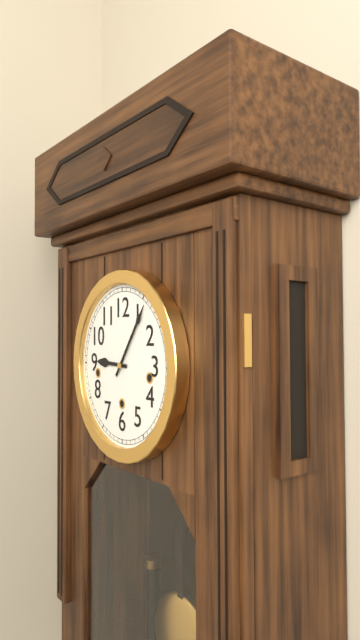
9:06
